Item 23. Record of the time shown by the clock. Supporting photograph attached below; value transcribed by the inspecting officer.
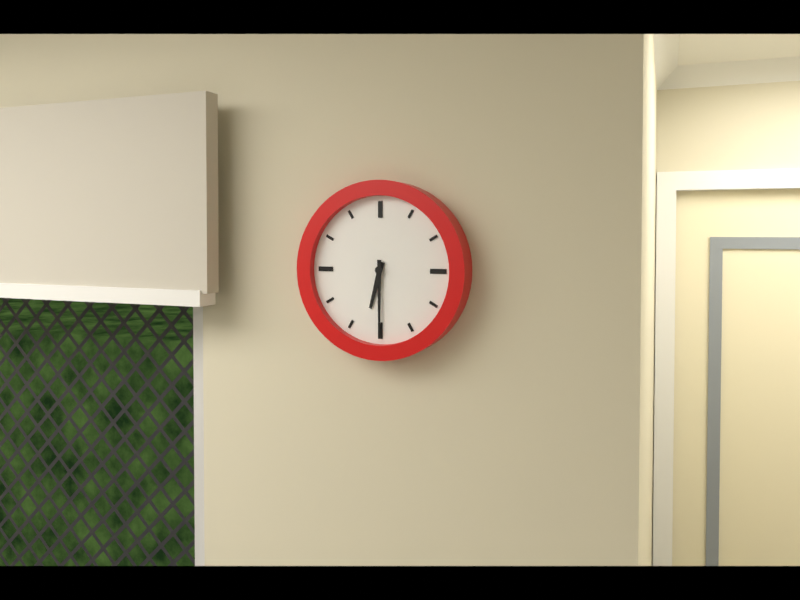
6:30
